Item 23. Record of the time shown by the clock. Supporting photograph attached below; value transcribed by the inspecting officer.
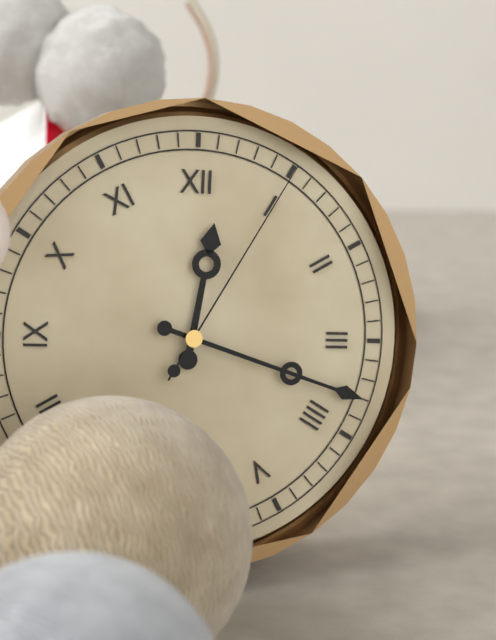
12:18:05
